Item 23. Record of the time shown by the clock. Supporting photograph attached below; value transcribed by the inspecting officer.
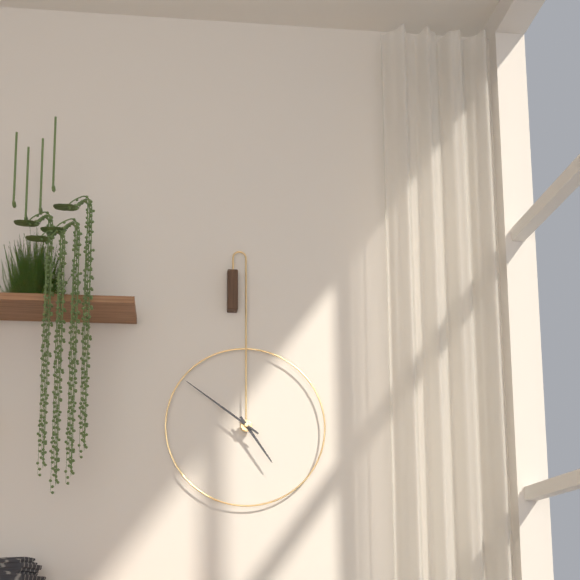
4:51
